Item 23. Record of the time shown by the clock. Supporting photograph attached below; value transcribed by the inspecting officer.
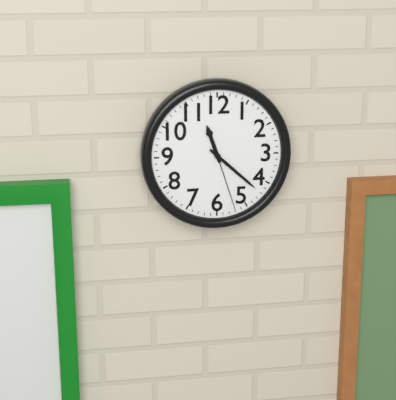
11:22:27
